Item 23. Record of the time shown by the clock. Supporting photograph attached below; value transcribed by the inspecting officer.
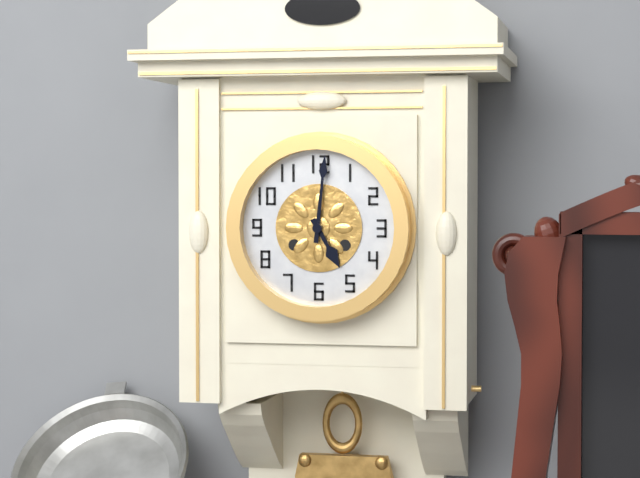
5:01
